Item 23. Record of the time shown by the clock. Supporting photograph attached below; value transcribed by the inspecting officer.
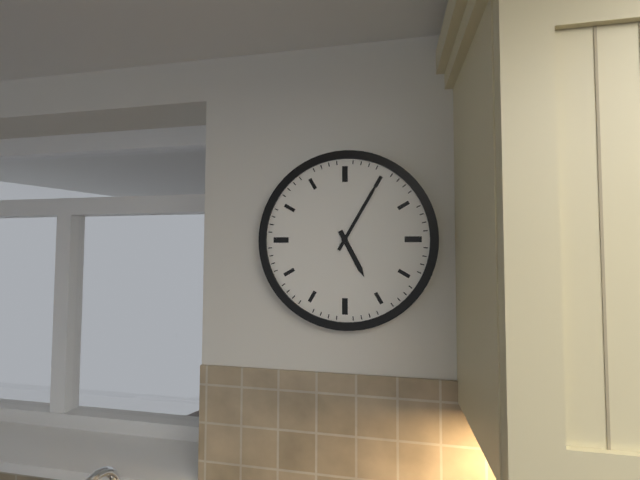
5:05
